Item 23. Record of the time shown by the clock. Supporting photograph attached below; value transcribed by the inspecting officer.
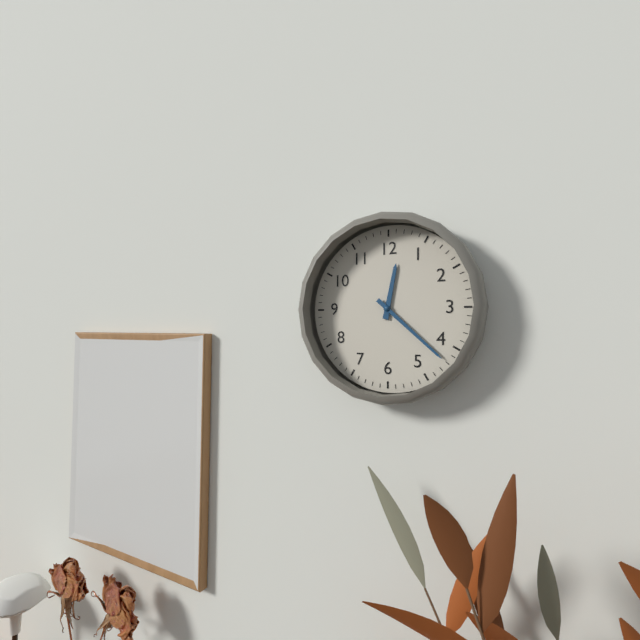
12:22
